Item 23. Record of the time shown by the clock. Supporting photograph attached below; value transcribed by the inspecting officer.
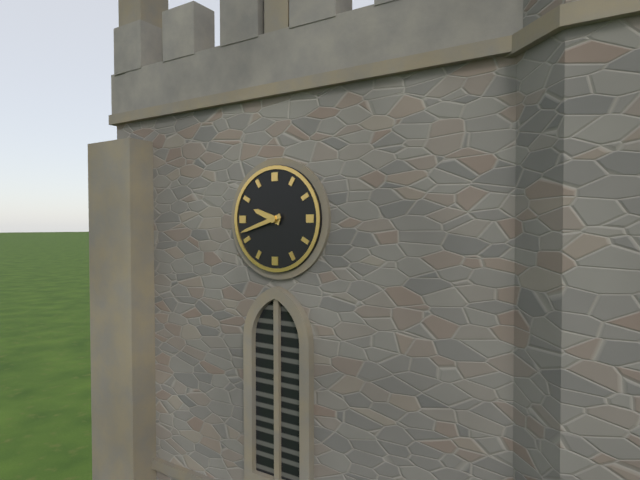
9:42
